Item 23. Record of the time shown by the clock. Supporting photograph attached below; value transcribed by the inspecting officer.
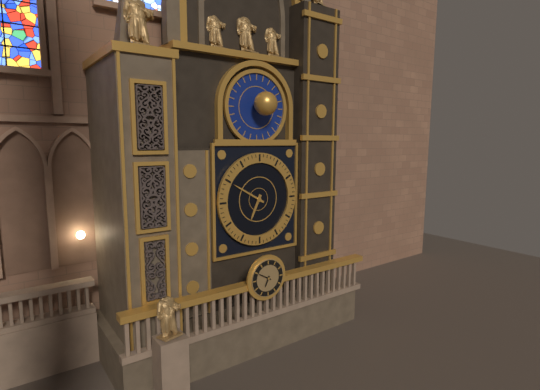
6:50
